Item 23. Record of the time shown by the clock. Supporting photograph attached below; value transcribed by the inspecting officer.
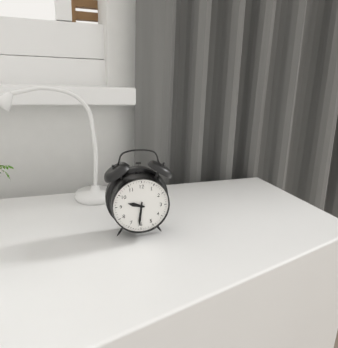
9:31
